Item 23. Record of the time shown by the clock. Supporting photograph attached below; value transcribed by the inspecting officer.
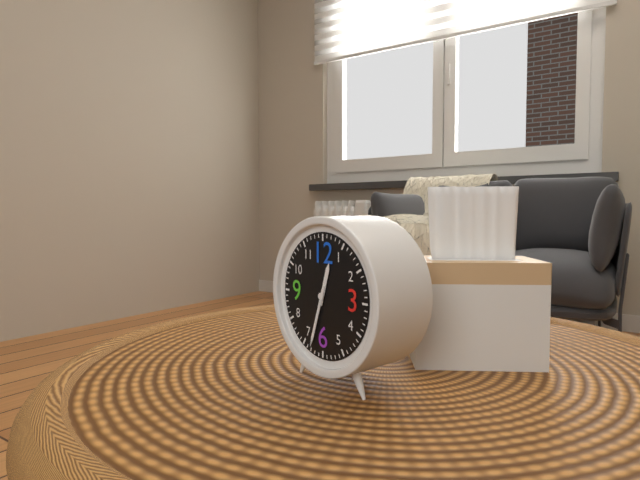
12:33
